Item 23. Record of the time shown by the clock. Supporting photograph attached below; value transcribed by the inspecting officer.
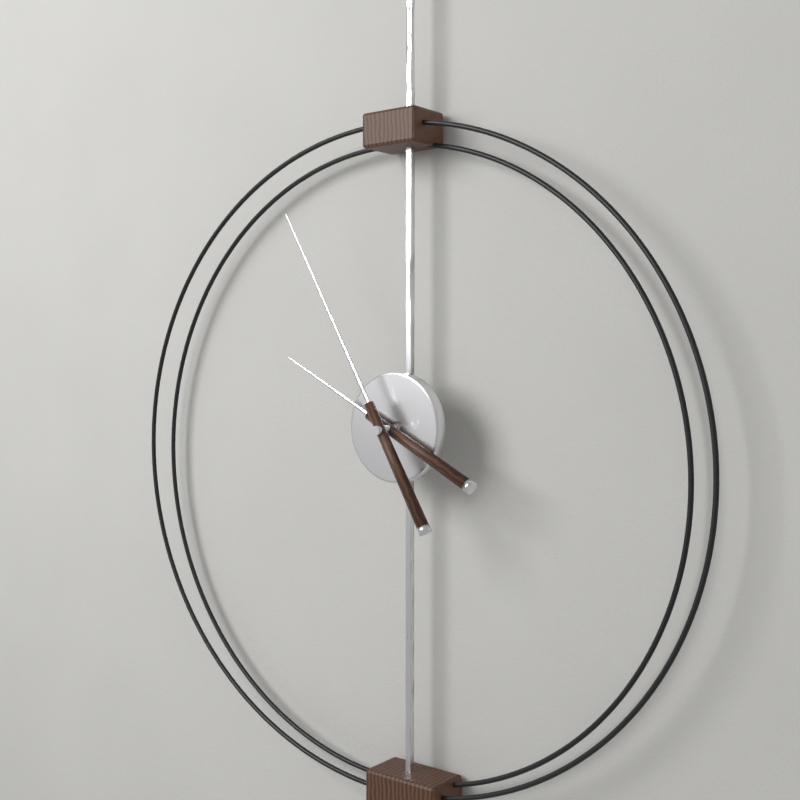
9:55
